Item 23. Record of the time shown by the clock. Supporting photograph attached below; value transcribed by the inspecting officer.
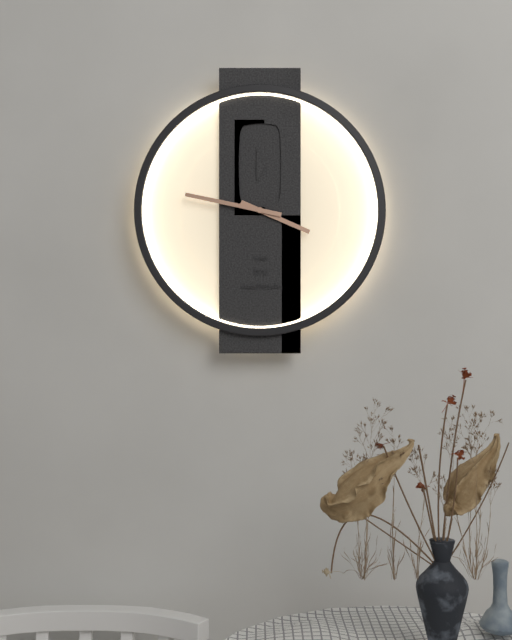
3:47
